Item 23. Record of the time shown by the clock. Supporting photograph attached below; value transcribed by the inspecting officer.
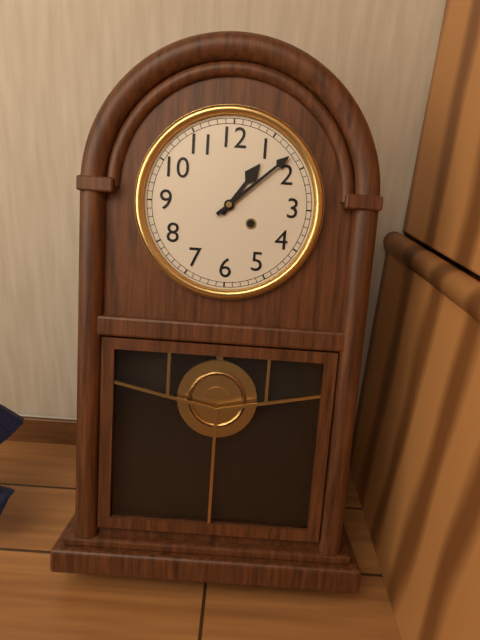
1:08
